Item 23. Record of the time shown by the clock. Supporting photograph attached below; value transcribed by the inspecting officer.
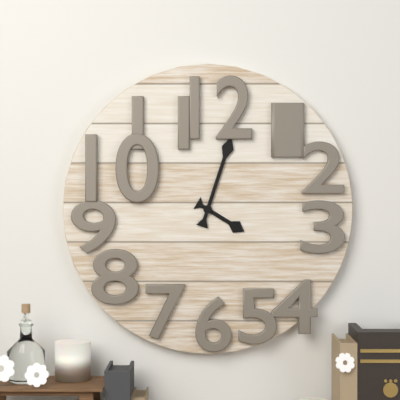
4:03
